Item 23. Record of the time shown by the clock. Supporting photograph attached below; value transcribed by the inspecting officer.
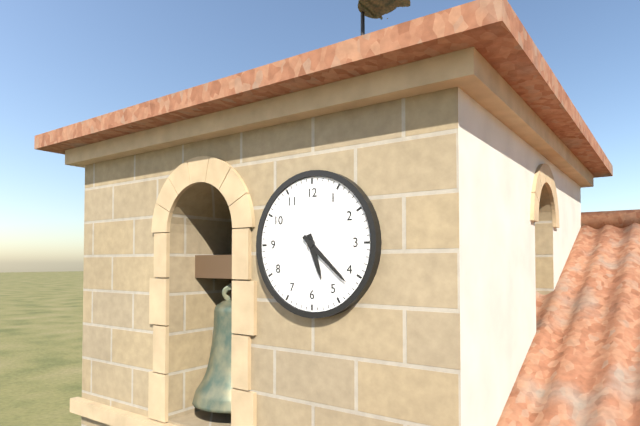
5:22
